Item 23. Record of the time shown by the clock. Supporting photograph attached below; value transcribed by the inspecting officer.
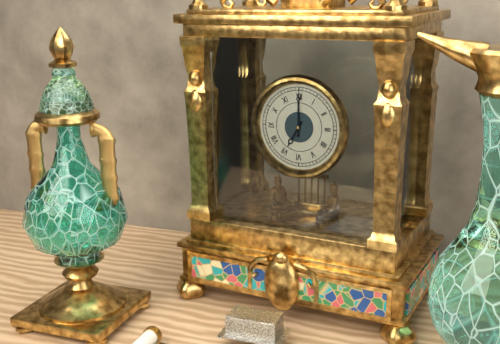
7:00
